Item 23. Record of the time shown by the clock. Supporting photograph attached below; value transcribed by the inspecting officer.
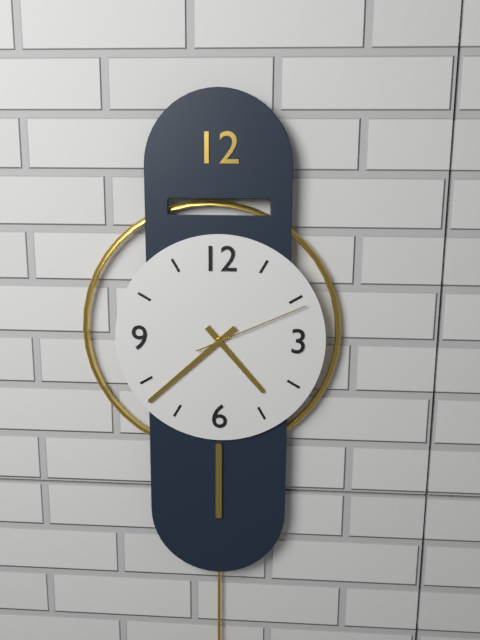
4:38:11
